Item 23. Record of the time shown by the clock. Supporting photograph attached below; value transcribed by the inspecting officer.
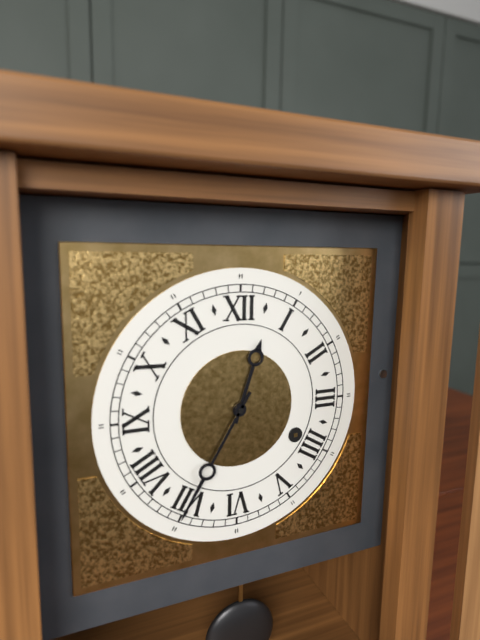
12:35
